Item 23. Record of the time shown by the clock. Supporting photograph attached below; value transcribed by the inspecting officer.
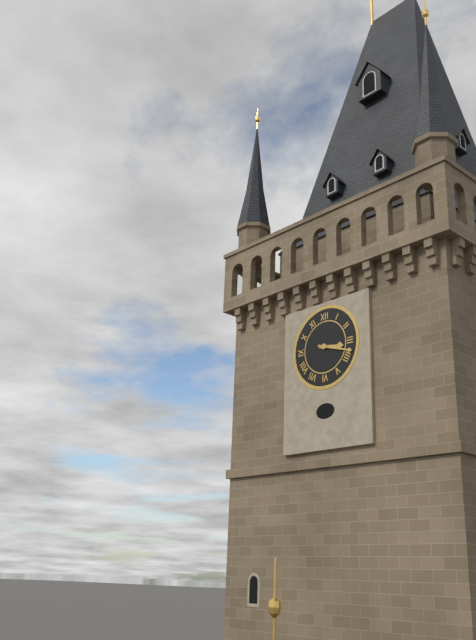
3:18
